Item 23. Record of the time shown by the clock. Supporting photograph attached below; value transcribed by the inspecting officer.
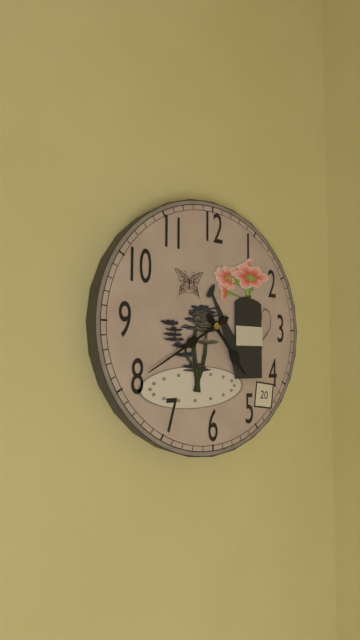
4:40
